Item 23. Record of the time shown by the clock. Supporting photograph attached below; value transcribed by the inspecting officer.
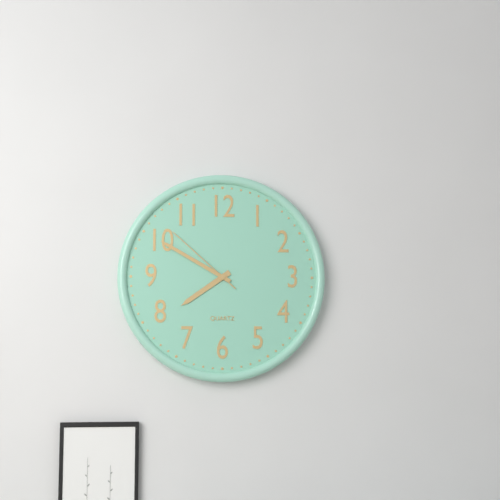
7:50:52
